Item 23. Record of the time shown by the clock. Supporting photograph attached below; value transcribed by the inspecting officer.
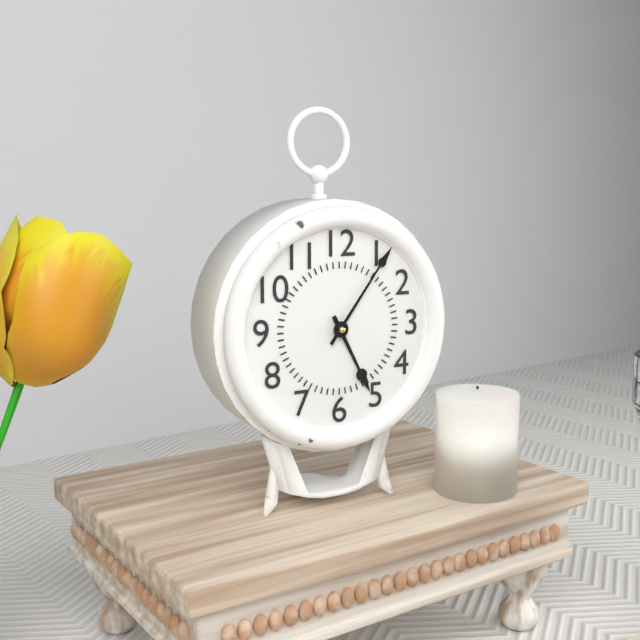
5:06
